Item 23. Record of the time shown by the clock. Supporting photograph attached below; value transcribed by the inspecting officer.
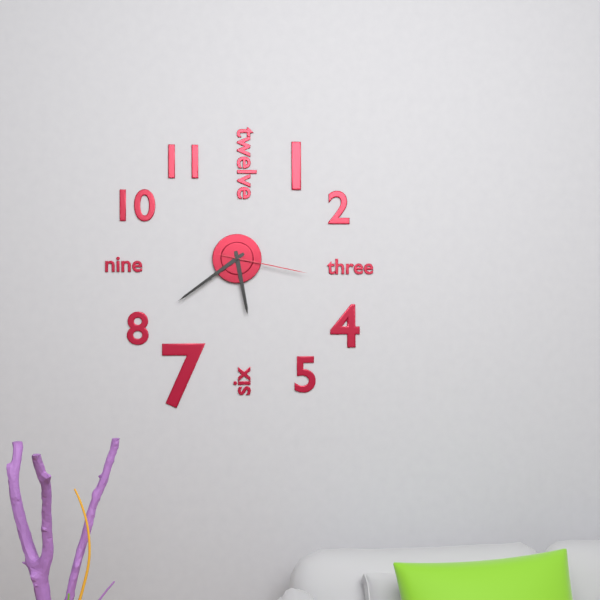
5:39:17
